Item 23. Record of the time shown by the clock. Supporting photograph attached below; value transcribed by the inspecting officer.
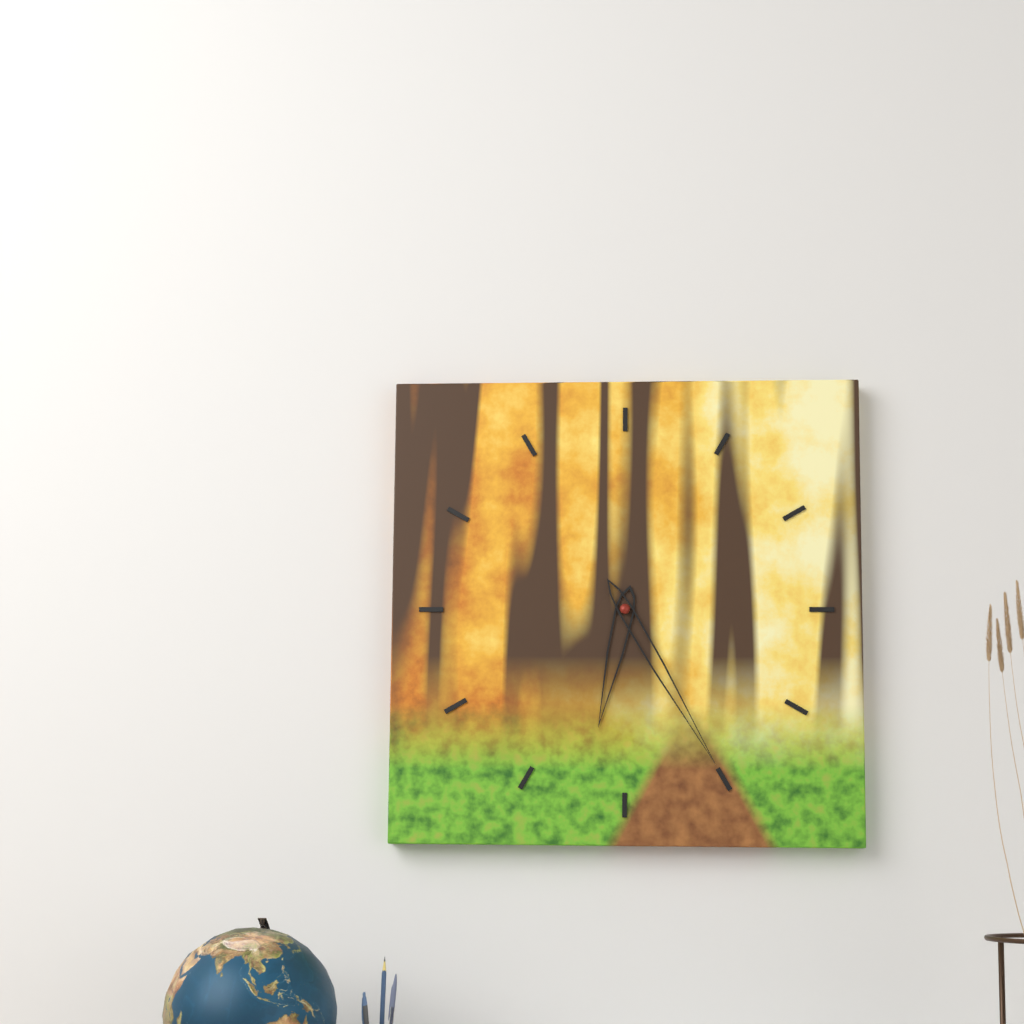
6:25
